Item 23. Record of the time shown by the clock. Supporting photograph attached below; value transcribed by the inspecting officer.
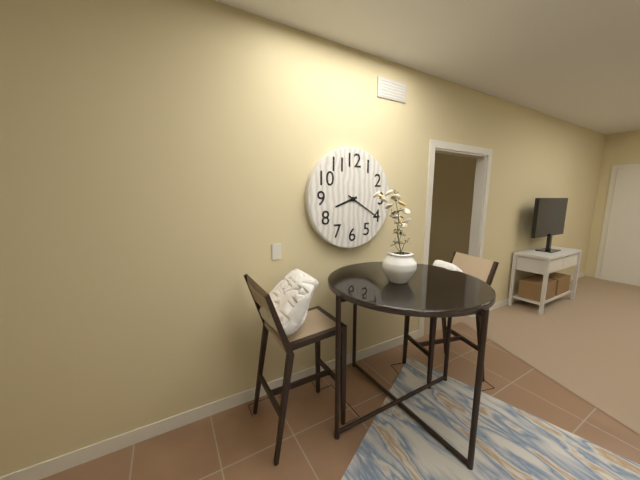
8:20
